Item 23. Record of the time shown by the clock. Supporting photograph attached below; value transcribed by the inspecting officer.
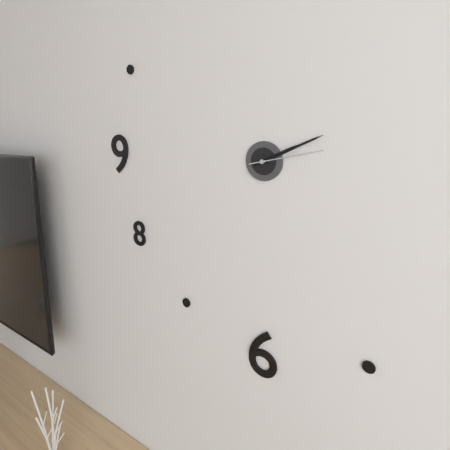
2:11:13
